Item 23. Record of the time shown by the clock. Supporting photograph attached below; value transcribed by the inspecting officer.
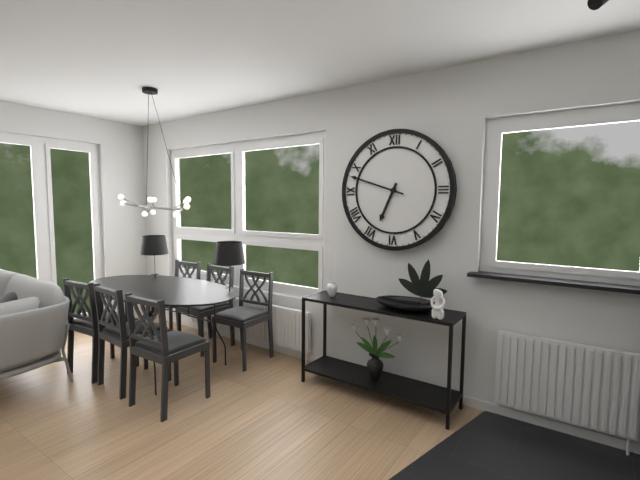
6:48
